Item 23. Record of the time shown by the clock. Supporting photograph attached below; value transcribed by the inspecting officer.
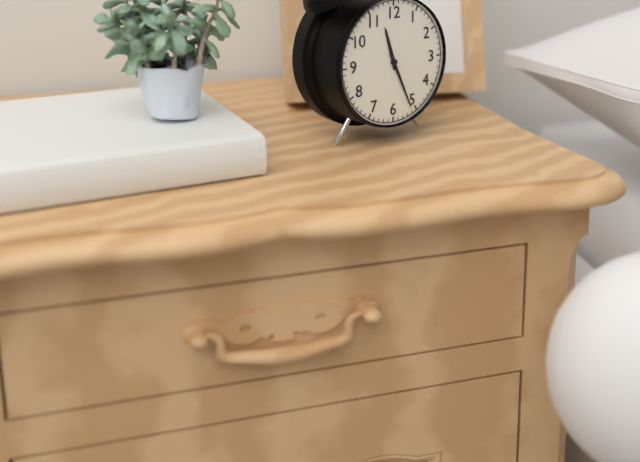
11:26
